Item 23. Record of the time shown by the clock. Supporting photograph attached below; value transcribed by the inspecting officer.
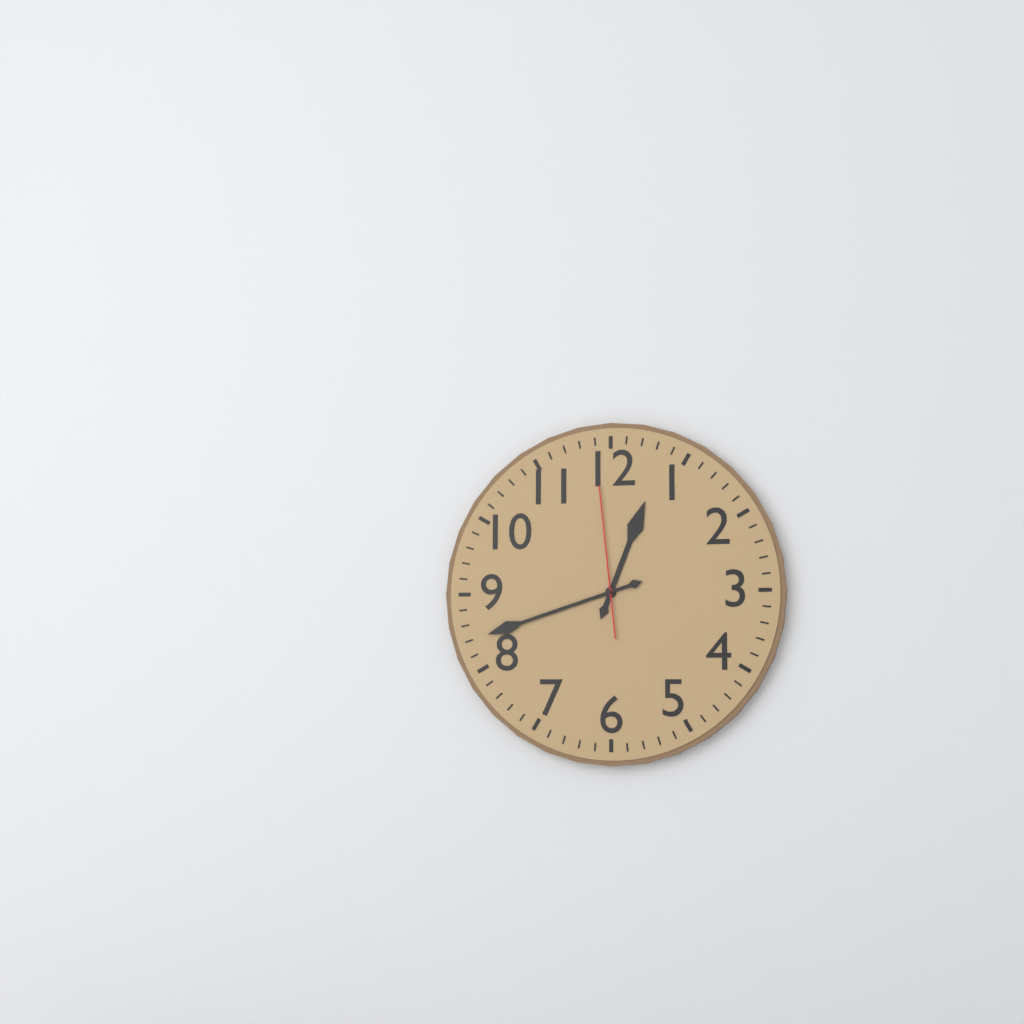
12:42:59
